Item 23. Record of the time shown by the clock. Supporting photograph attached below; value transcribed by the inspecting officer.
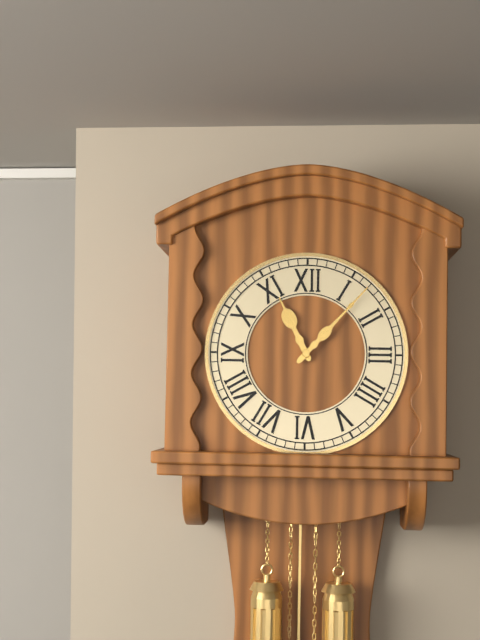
11:07
